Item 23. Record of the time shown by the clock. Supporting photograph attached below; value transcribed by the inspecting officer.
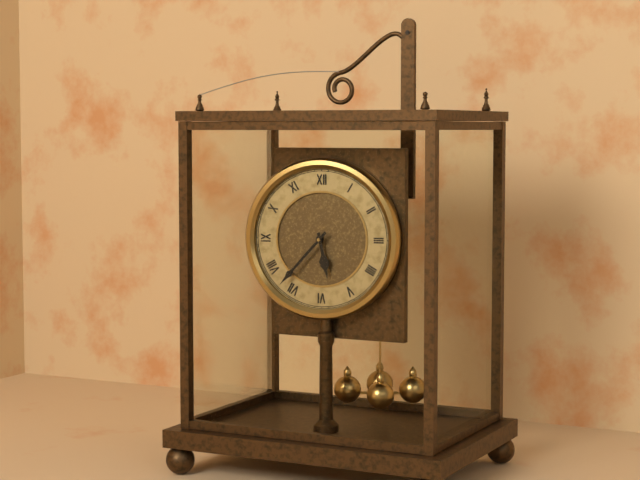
5:37
